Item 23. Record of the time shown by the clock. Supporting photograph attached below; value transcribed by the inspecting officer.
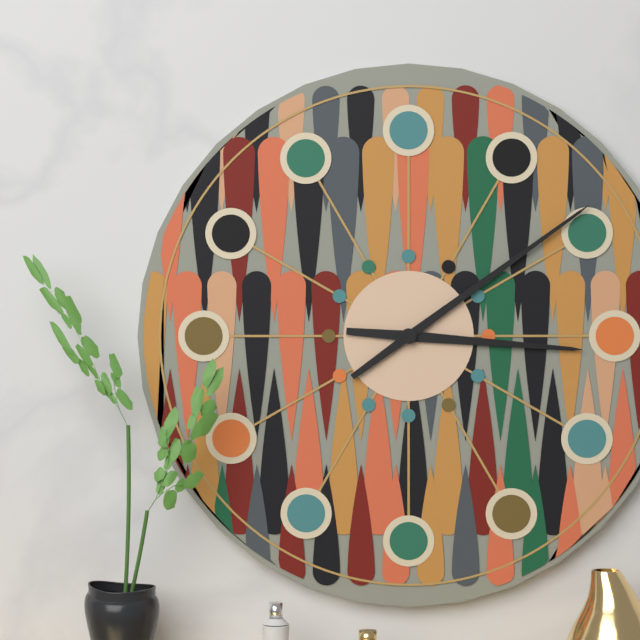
3:09
